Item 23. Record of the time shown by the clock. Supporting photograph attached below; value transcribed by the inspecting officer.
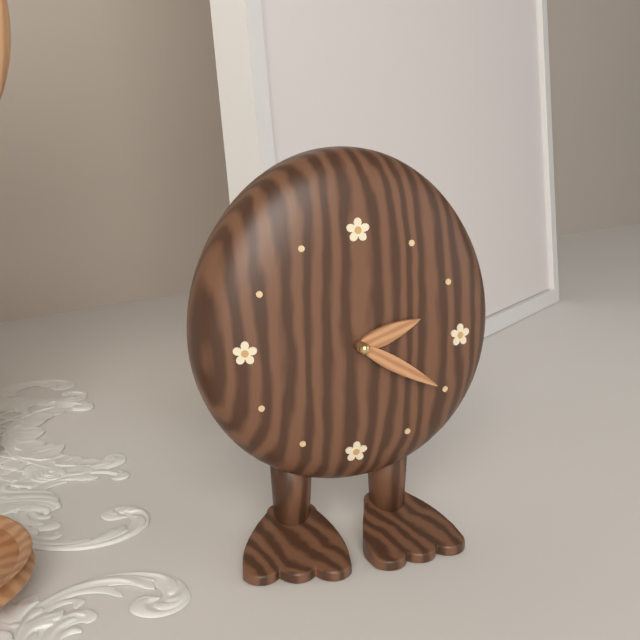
2:20
